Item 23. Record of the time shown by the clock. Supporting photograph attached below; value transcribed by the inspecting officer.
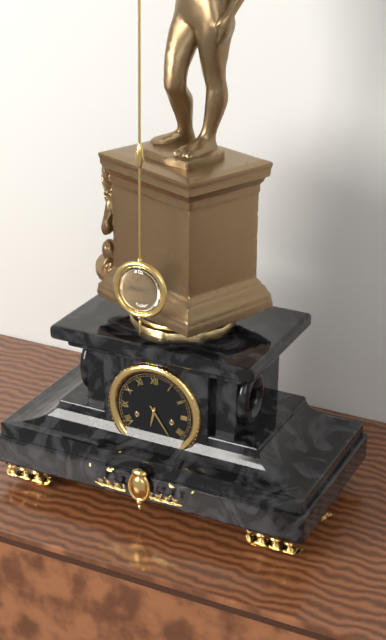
6:24
